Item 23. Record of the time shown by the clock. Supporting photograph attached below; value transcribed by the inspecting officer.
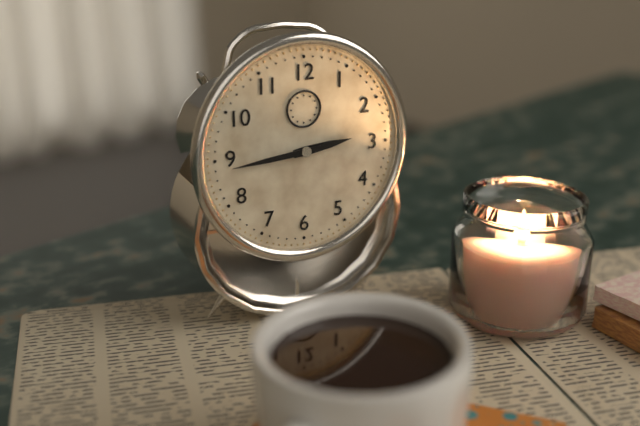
2:44
